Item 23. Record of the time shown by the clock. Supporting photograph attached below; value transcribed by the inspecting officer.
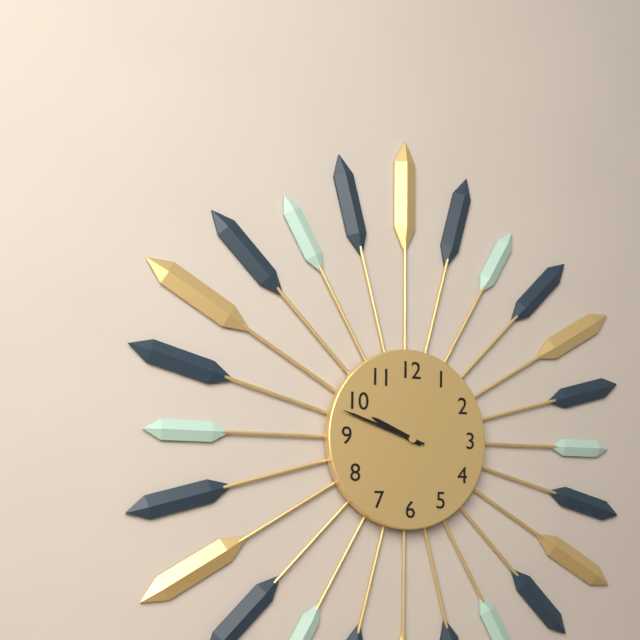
9:48
